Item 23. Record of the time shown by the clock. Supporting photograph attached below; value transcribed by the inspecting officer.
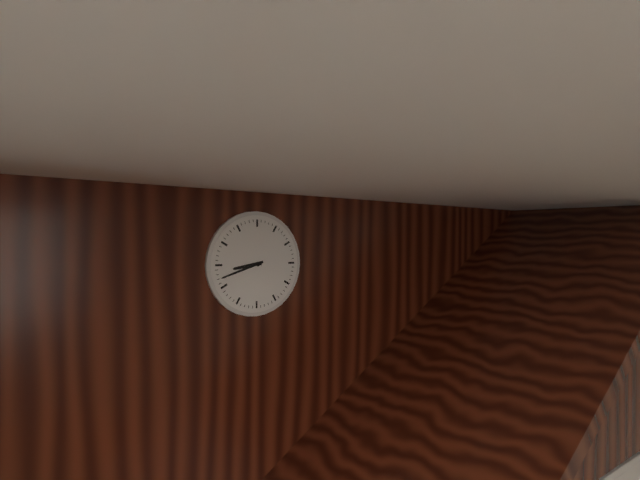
8:42
